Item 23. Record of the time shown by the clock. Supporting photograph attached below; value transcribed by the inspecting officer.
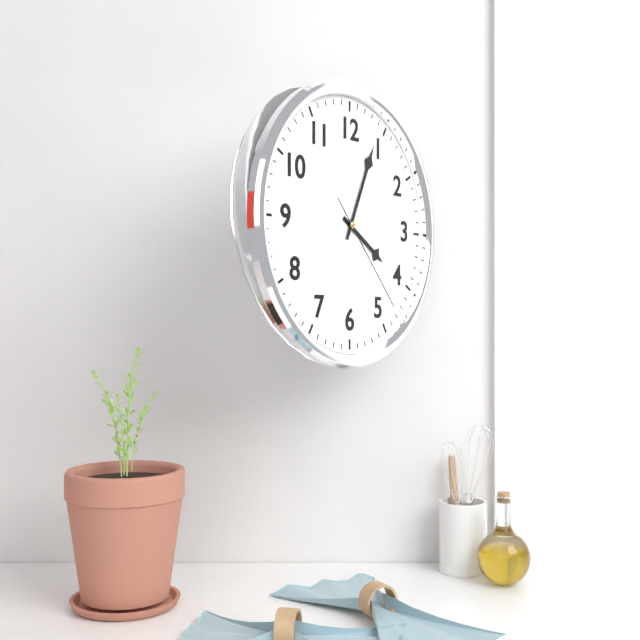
4:04:23
